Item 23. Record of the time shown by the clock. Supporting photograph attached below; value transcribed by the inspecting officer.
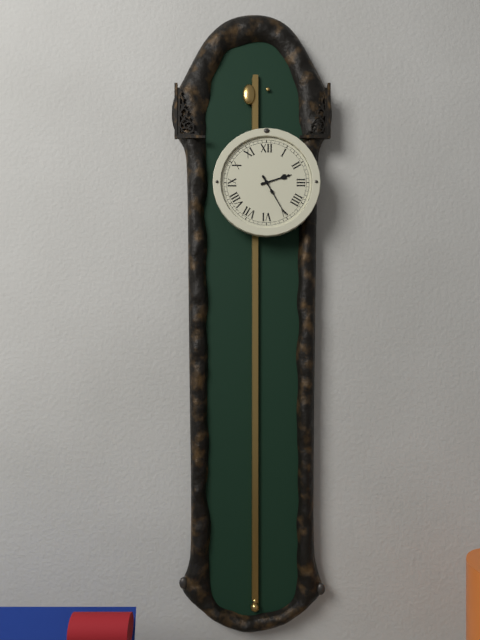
2:25
